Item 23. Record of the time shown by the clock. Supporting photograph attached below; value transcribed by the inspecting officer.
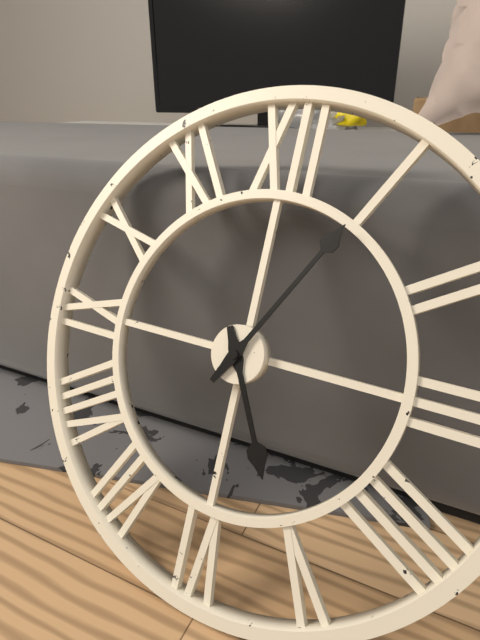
5:05
